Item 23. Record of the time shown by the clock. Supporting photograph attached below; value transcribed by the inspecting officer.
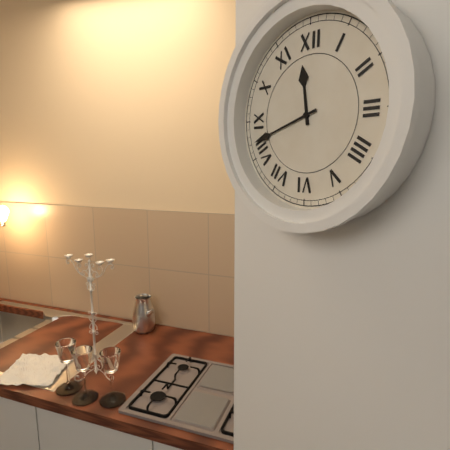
11:42
